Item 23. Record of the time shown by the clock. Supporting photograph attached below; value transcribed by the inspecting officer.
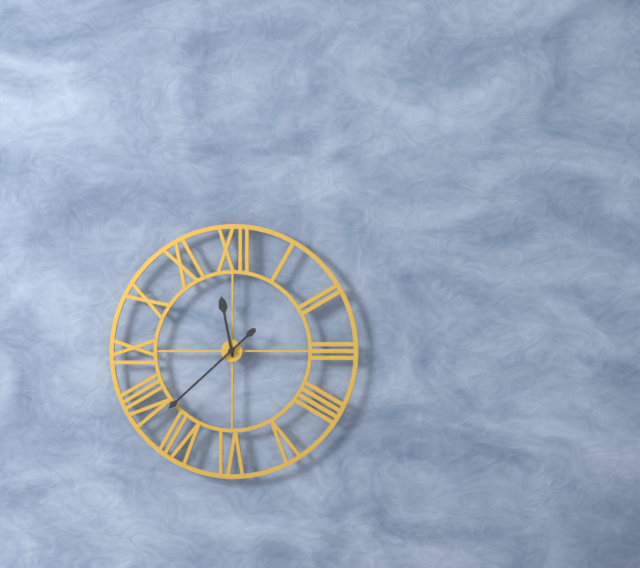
11:38
